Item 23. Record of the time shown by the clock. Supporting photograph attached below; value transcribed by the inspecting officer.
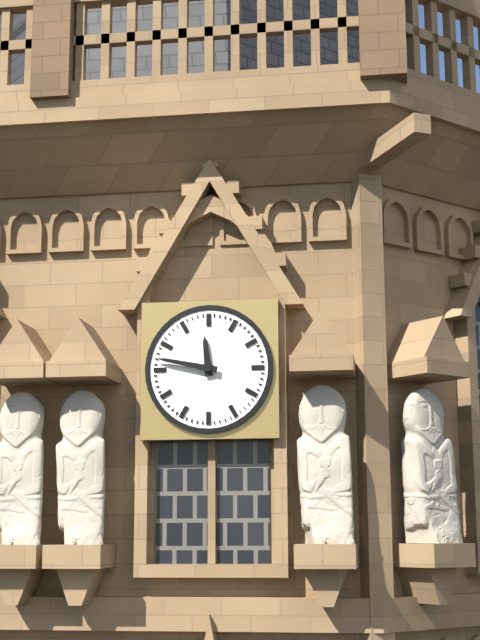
11:47
